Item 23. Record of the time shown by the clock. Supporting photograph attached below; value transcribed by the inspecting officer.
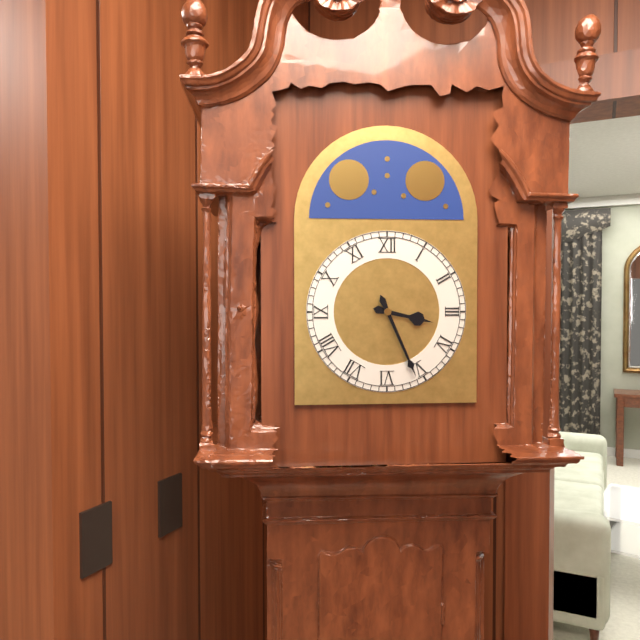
3:26
